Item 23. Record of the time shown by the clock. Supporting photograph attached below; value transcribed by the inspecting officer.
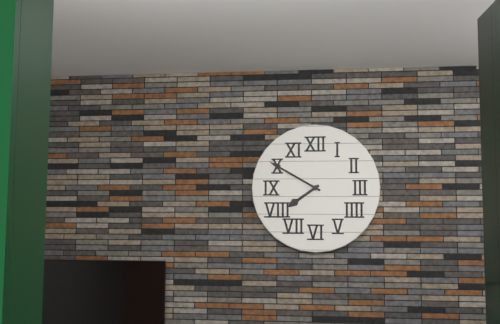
7:50
